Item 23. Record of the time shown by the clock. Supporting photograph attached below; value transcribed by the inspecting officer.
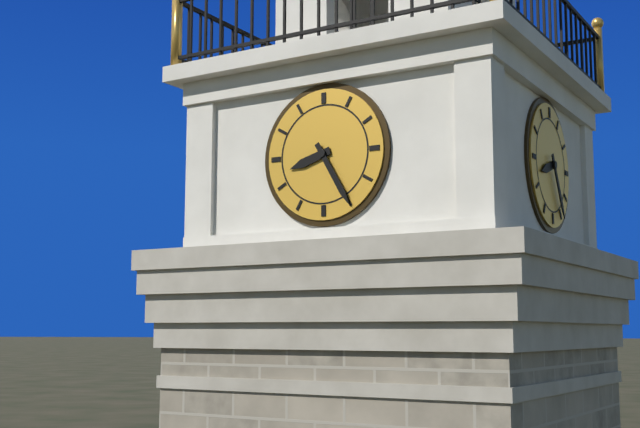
8:25
